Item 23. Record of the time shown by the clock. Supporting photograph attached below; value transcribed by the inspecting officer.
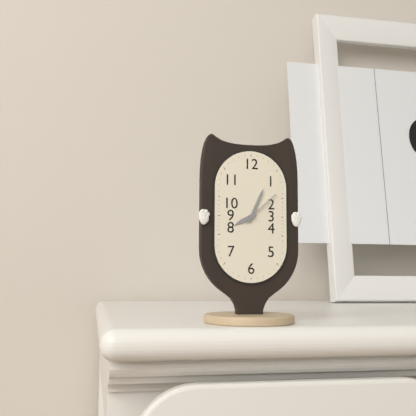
8:04
